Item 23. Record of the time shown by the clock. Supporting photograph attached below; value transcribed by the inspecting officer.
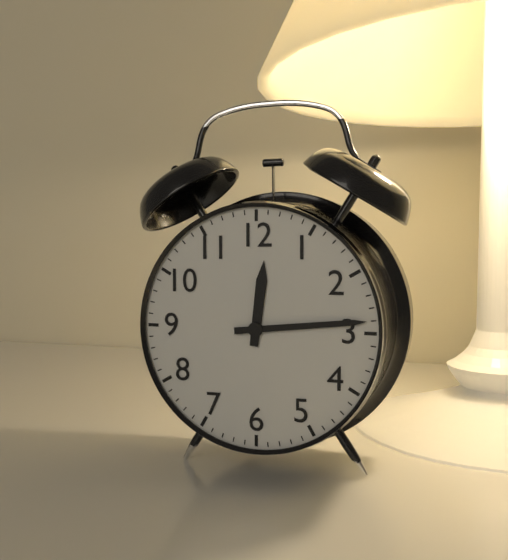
12:14
